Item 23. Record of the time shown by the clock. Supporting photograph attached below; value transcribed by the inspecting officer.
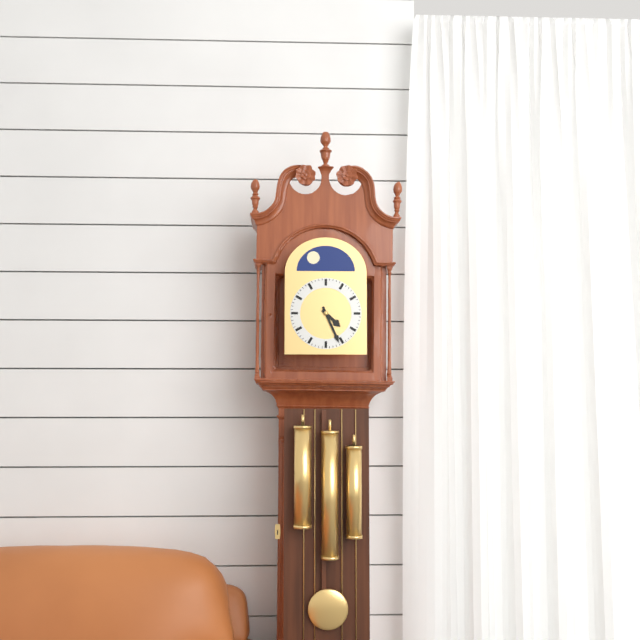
4:26
